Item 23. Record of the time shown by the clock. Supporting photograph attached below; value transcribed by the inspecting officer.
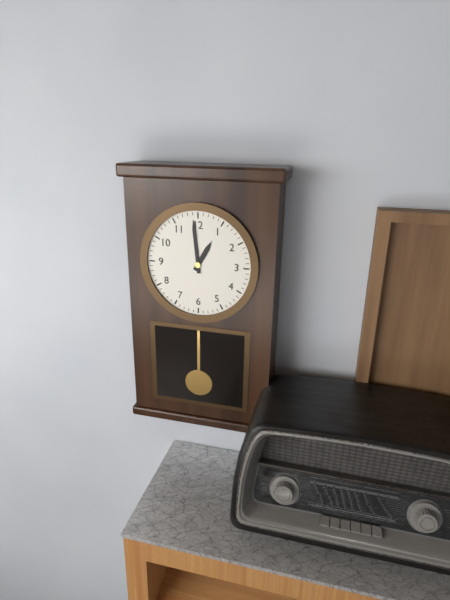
12:59
